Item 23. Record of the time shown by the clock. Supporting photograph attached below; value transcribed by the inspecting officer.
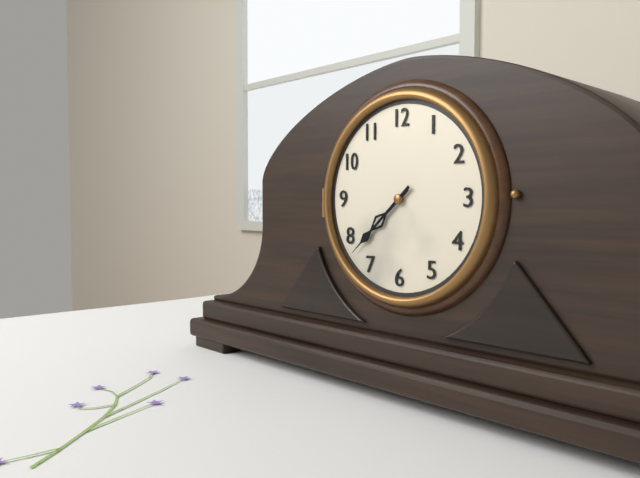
7:38
